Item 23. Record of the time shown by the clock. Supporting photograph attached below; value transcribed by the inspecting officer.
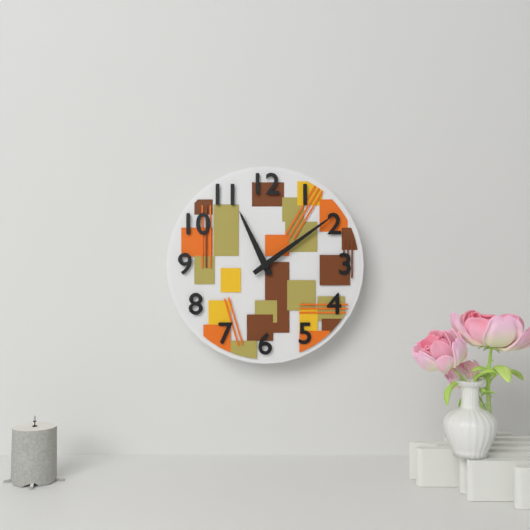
11:09
